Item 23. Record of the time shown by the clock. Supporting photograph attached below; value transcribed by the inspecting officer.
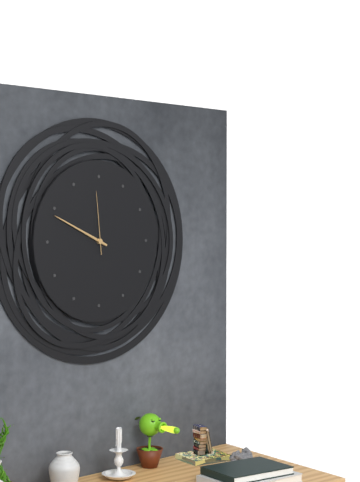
9:49:59
